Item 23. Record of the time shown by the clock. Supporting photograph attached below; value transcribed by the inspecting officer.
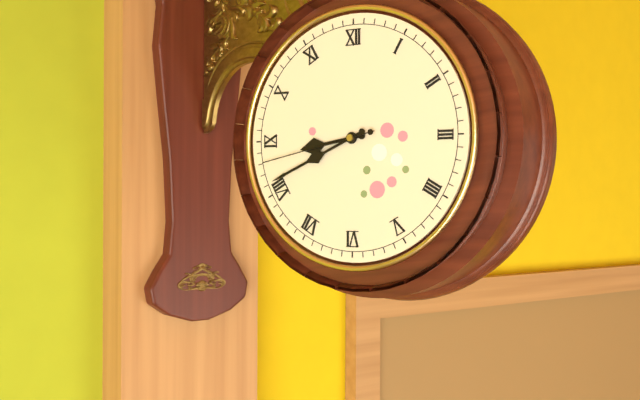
8:41:43
